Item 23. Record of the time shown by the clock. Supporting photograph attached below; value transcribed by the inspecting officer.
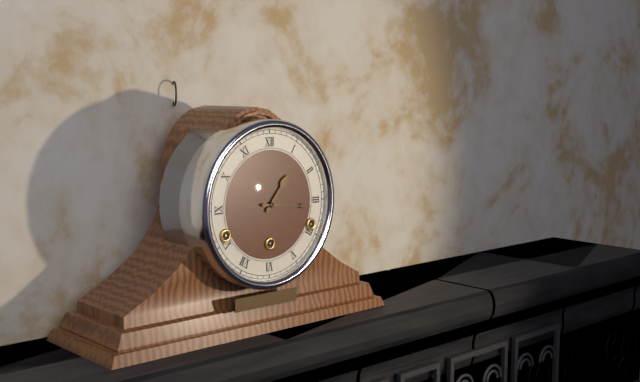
1:16
